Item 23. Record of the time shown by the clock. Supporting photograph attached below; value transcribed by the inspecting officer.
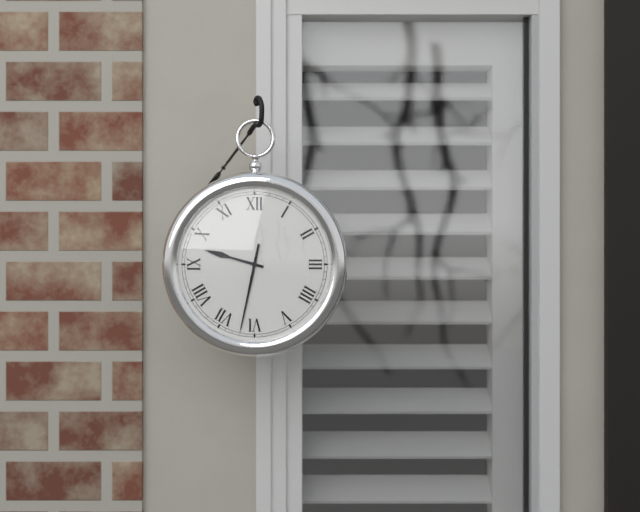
9:32
